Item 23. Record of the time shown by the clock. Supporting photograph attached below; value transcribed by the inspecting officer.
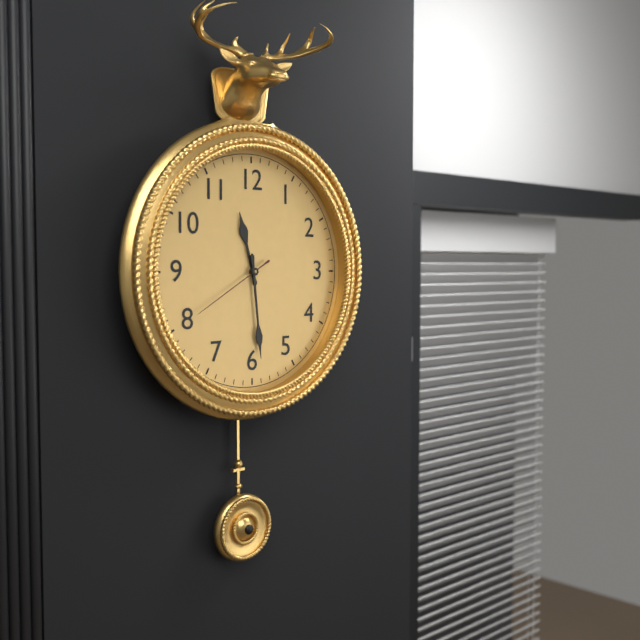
11:29:40
